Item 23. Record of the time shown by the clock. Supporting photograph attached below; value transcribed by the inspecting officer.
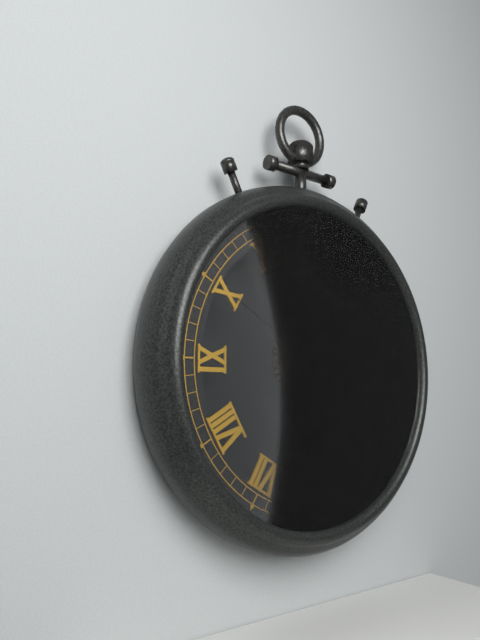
2:59:50
